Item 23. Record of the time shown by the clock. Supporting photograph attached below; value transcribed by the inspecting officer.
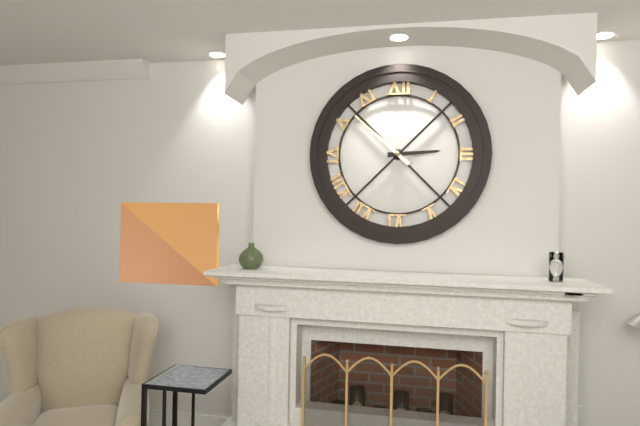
2:52
